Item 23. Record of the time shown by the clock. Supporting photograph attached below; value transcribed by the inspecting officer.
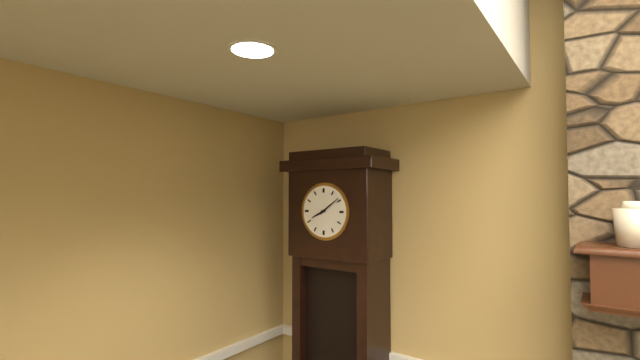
8:09
